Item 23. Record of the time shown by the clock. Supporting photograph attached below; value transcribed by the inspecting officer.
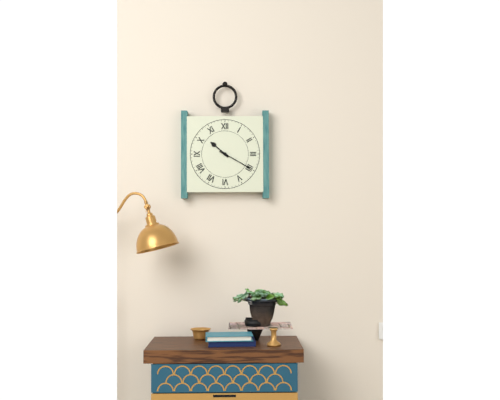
10:20
